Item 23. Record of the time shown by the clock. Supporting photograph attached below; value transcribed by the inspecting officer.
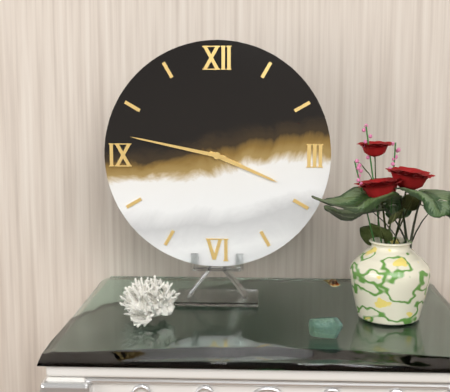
3:47
